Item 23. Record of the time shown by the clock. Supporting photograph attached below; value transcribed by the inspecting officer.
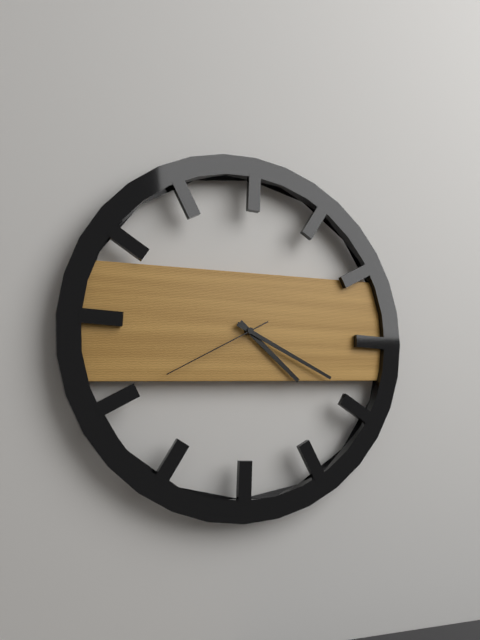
4:19:40
